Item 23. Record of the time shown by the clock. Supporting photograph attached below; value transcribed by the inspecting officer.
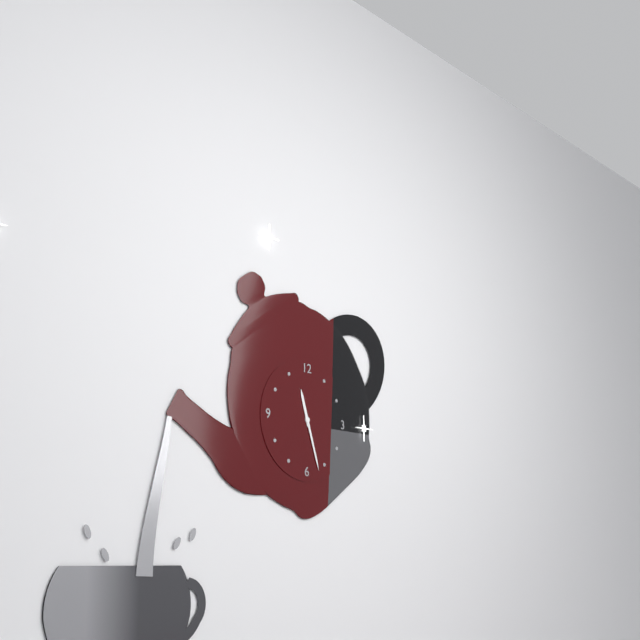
11:27
